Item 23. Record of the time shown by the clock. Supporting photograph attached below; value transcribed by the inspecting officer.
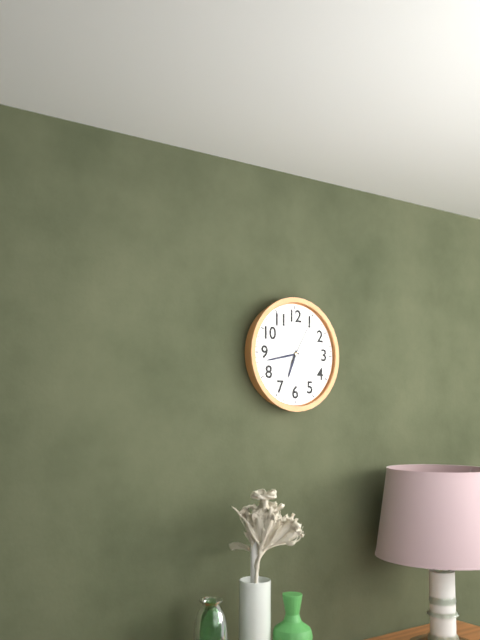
6:43
